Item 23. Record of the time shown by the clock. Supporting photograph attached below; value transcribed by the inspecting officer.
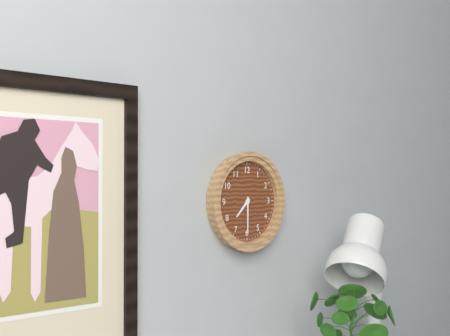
7:30
